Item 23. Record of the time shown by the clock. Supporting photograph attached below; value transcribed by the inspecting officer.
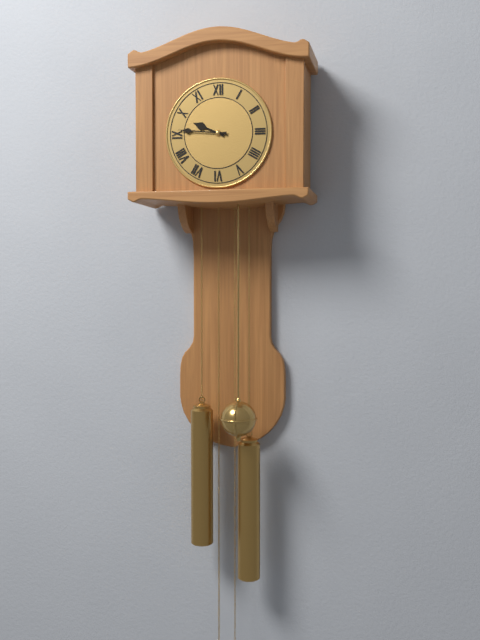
9:46
